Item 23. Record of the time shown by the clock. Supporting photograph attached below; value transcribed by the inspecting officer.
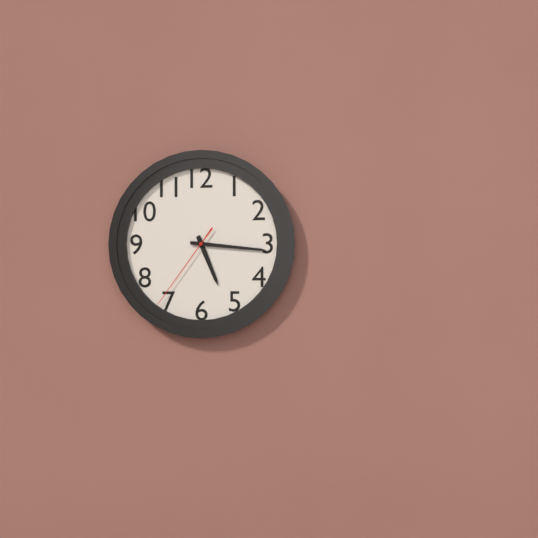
5:16:36
